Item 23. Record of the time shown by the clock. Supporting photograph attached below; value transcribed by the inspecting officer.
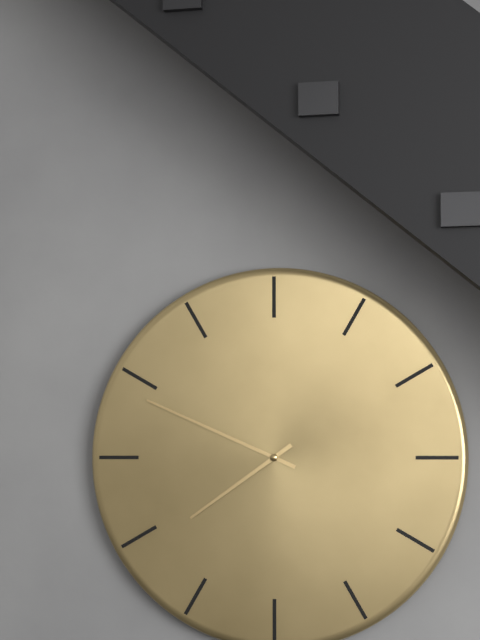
7:49
